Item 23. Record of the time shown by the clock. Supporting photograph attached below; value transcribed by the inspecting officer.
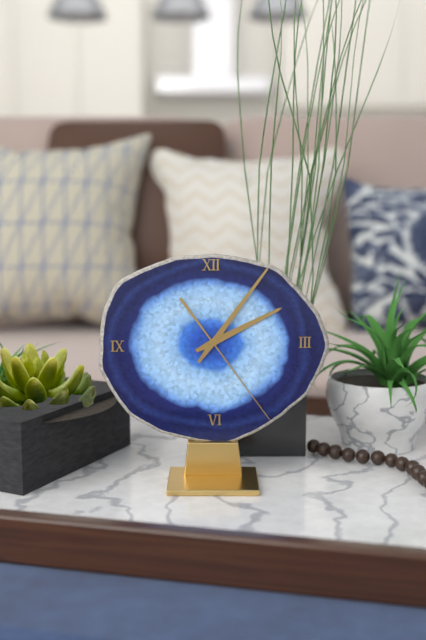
2:06:24
